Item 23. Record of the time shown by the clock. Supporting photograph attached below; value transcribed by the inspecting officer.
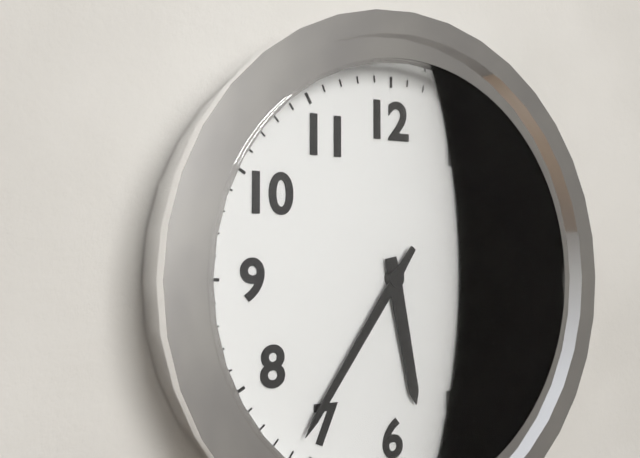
5:36
